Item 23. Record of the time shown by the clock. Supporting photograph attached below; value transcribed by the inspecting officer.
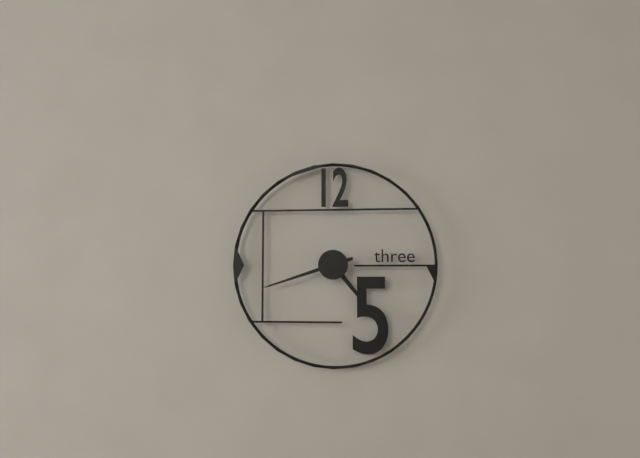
4:42
